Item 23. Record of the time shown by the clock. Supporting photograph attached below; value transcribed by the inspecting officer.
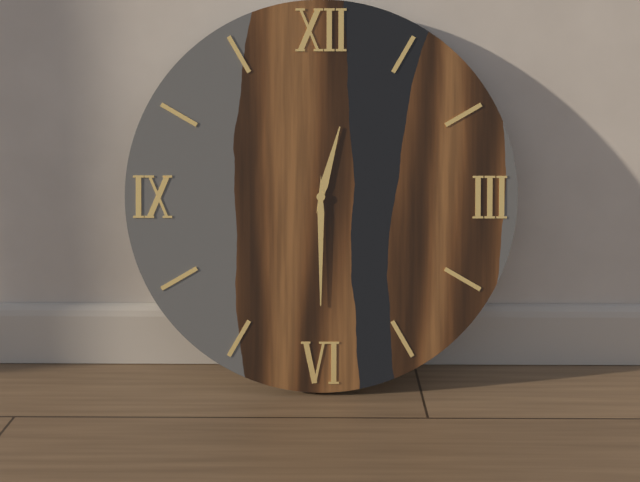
12:30
